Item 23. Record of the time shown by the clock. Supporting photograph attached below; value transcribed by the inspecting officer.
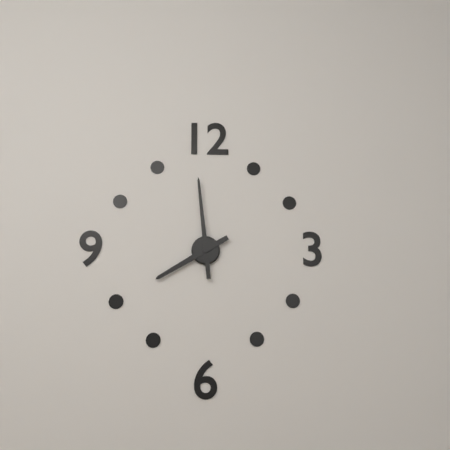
7:59
